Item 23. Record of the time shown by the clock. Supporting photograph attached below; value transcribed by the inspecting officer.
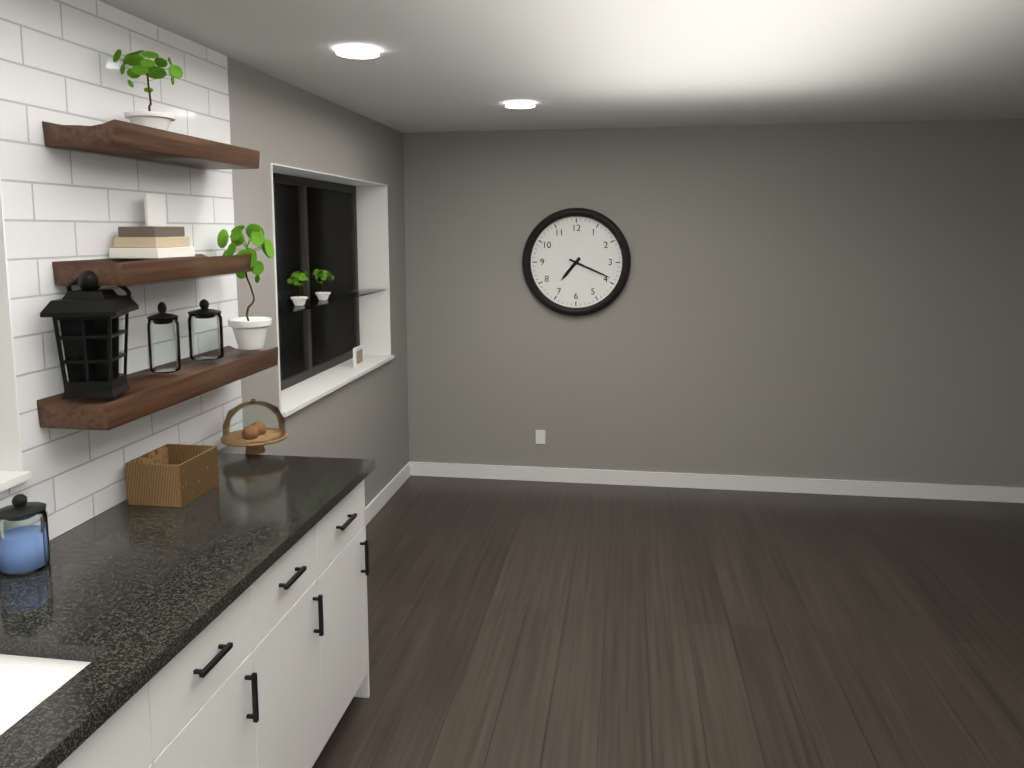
7:19
